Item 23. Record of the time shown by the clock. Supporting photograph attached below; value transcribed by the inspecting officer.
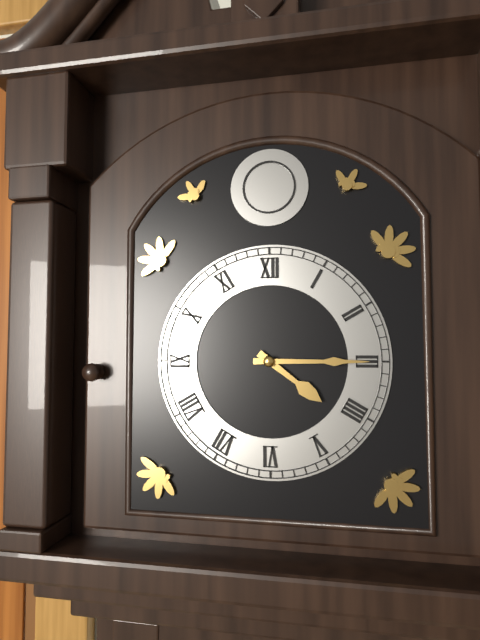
4:15
